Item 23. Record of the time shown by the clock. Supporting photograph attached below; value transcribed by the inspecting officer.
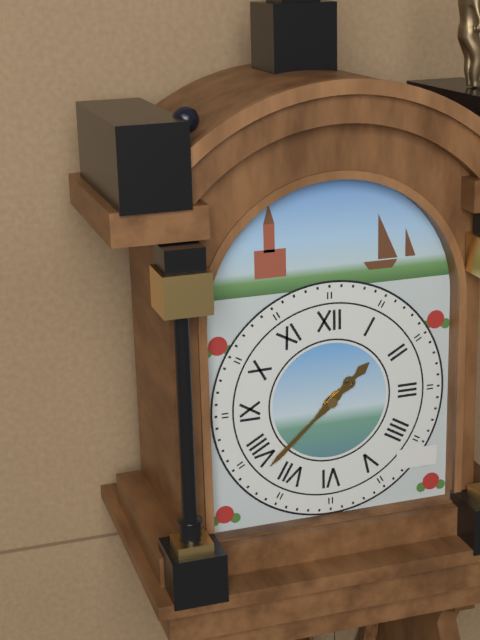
1:38
